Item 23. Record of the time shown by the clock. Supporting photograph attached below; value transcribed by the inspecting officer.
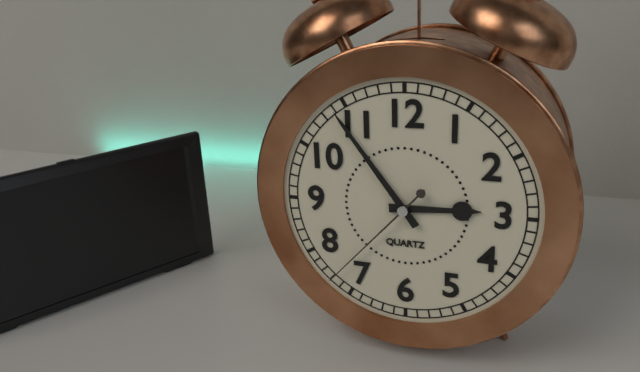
2:54:37
